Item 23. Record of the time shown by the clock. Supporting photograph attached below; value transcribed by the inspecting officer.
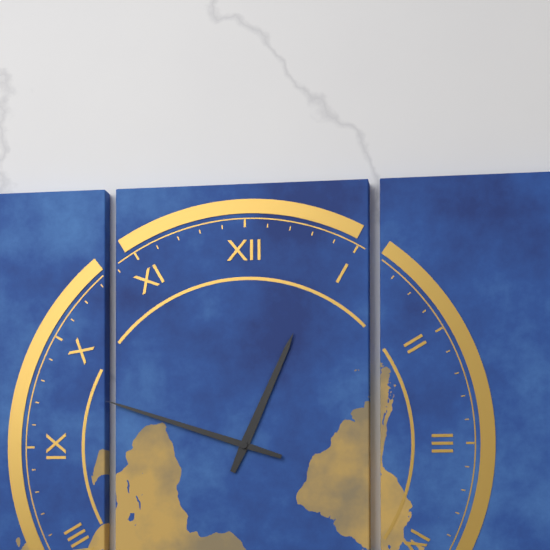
12:48
